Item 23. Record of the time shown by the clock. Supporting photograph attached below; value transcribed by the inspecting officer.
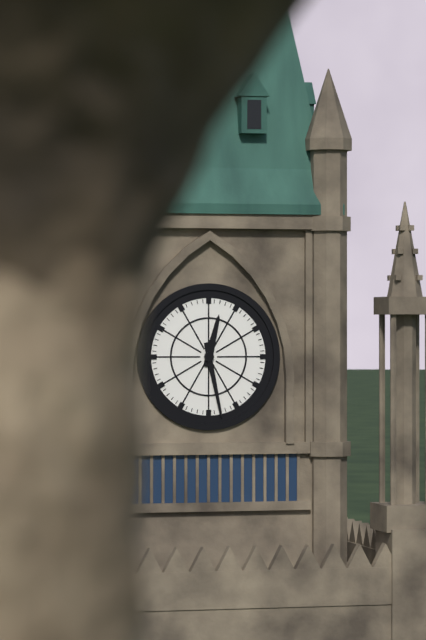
12:28
